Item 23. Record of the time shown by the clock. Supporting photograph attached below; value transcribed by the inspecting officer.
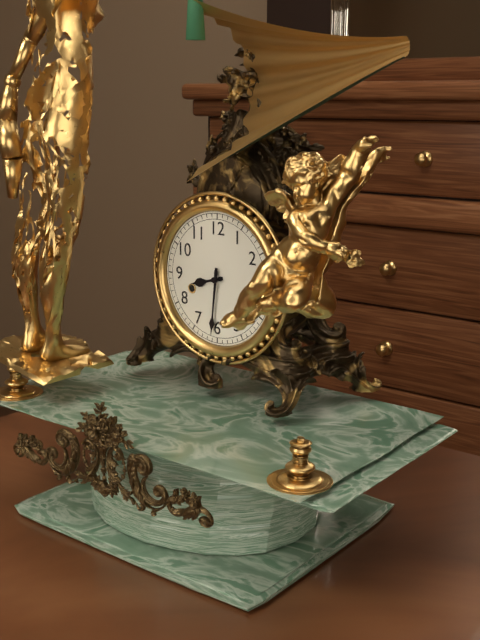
8:31
